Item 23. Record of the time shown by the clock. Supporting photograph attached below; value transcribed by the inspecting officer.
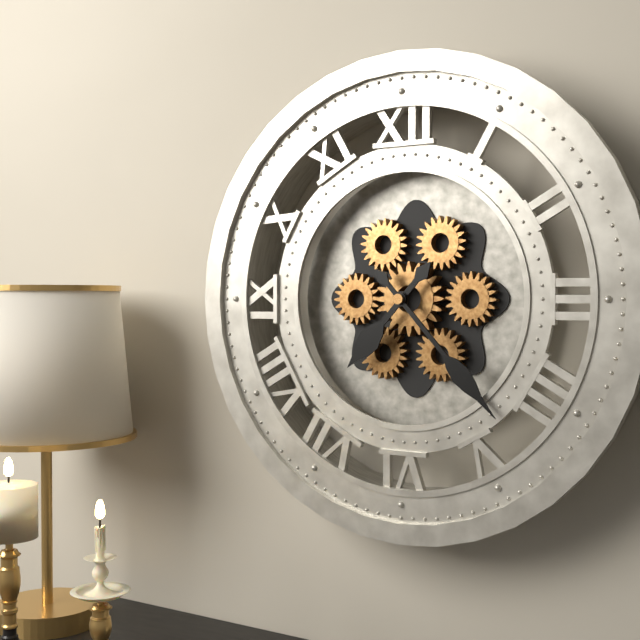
7:23
